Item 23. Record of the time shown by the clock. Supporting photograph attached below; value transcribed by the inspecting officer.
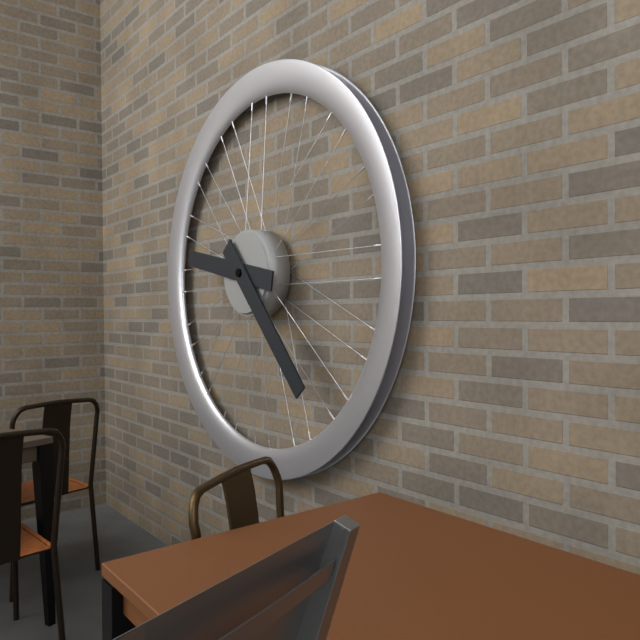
9:23
